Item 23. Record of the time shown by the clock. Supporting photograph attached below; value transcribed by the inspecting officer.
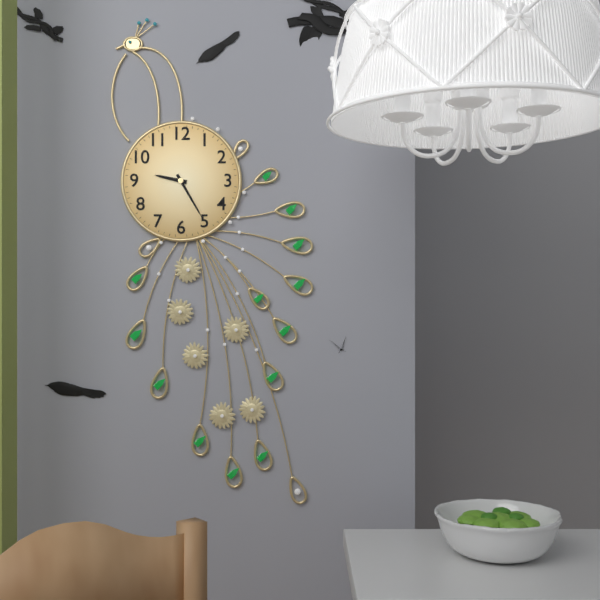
9:25
